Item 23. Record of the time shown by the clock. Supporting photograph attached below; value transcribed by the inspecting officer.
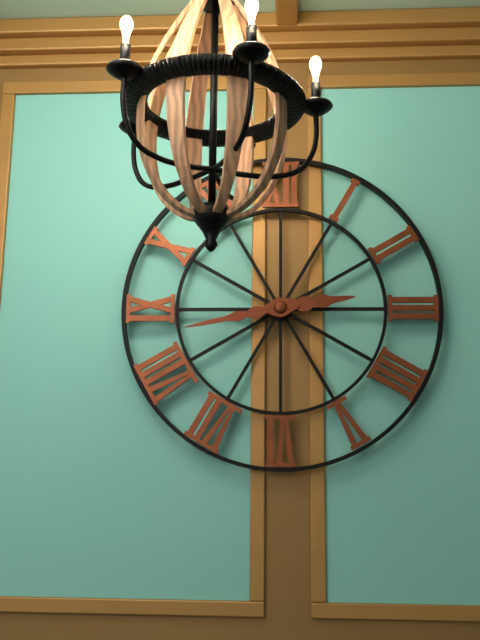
2:43
